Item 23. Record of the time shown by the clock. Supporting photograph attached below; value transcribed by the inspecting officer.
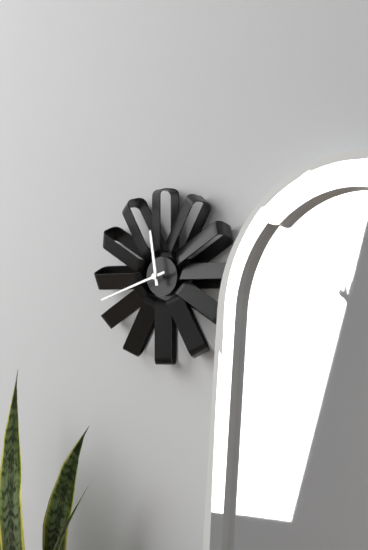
11:42
